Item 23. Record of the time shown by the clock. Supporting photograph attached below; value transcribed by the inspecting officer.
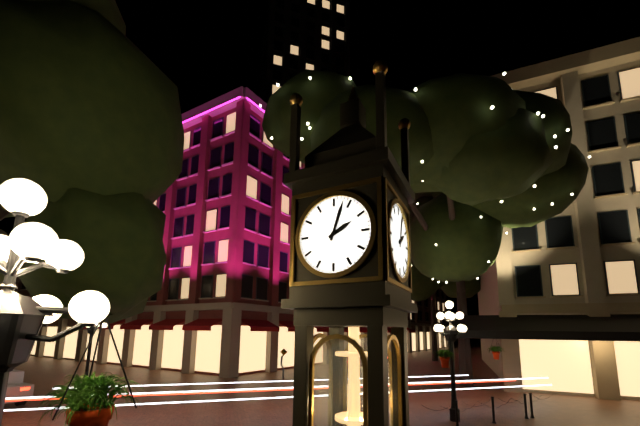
2:03
